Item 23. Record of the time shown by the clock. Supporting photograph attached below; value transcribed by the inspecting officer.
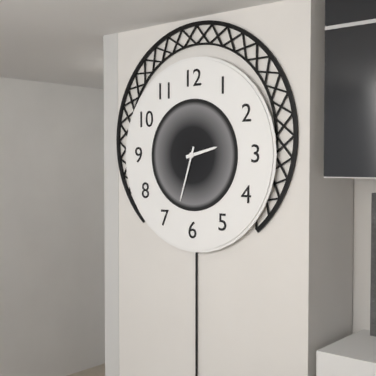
2:33
